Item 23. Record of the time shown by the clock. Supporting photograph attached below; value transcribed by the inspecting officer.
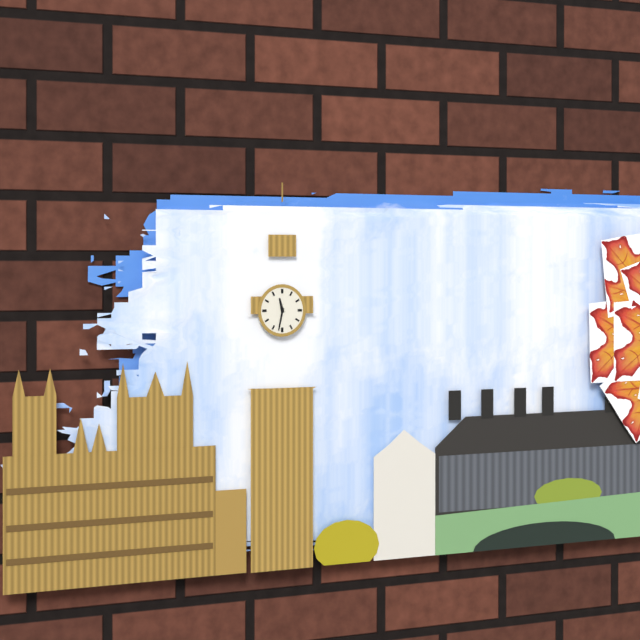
11:32
